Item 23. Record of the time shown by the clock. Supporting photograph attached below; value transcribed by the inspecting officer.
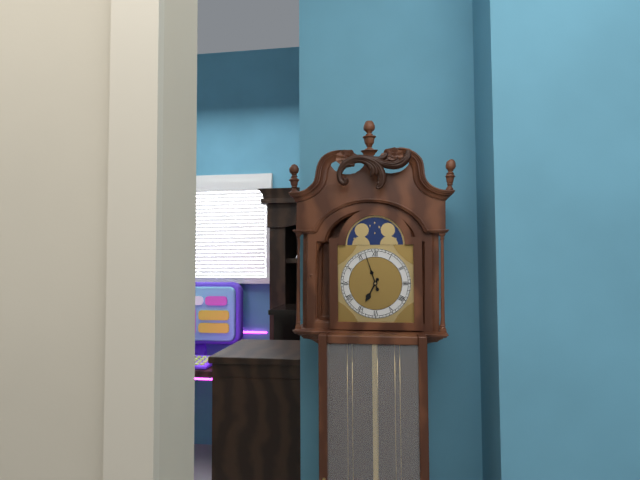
6:57
